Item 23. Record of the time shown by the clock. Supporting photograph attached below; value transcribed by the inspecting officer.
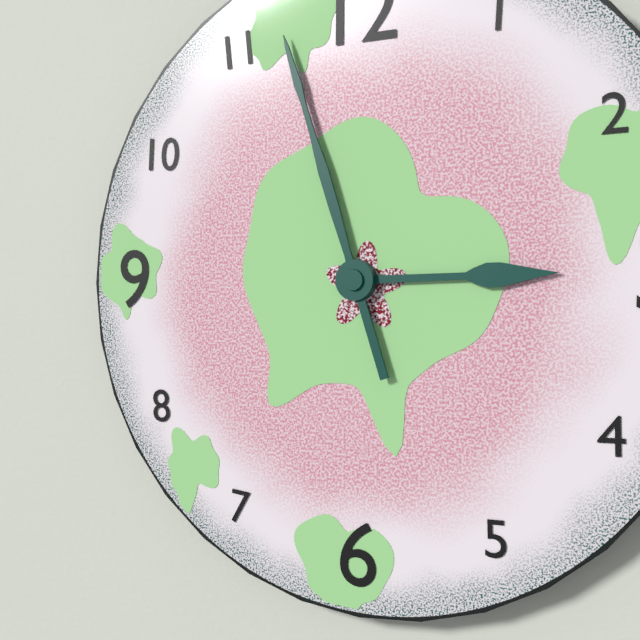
2:57
